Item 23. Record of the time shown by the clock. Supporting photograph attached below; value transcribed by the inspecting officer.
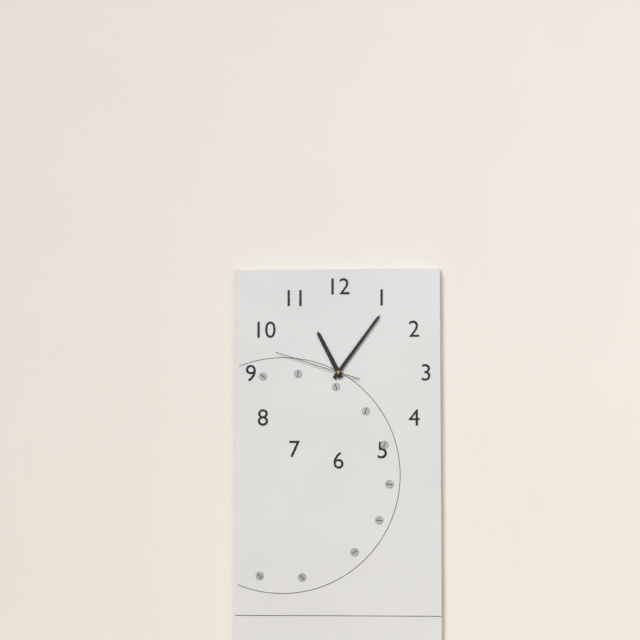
11:06:48
